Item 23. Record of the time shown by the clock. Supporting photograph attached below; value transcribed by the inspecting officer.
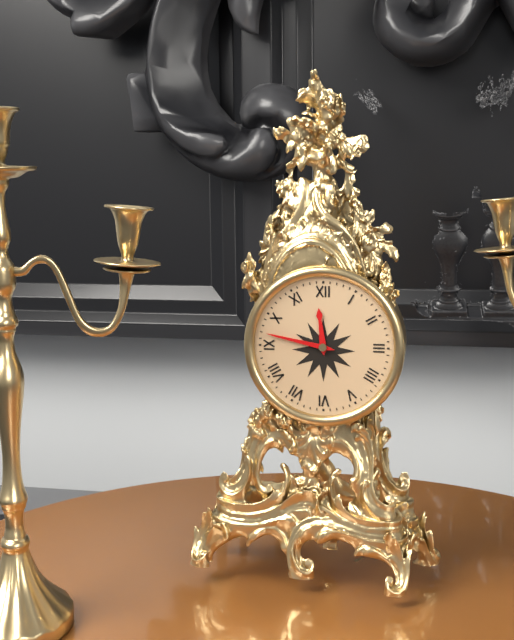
11:47
